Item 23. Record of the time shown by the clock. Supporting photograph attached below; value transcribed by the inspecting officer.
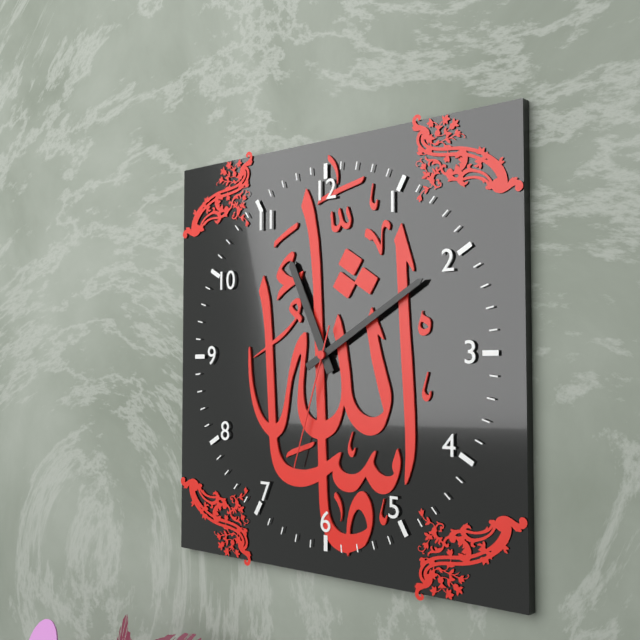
11:10:33
